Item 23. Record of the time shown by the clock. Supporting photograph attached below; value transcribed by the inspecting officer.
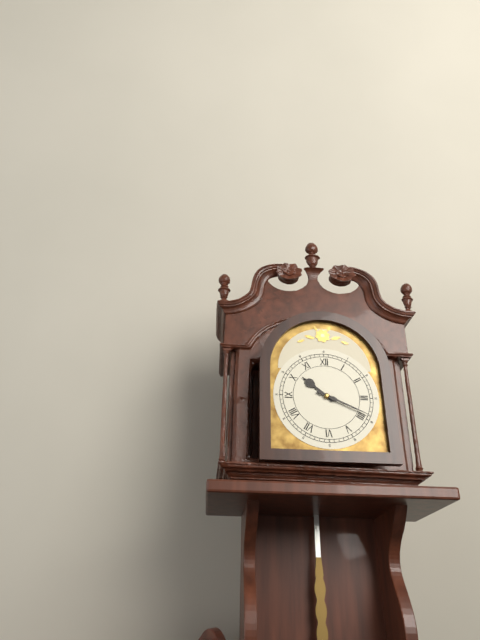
10:19
